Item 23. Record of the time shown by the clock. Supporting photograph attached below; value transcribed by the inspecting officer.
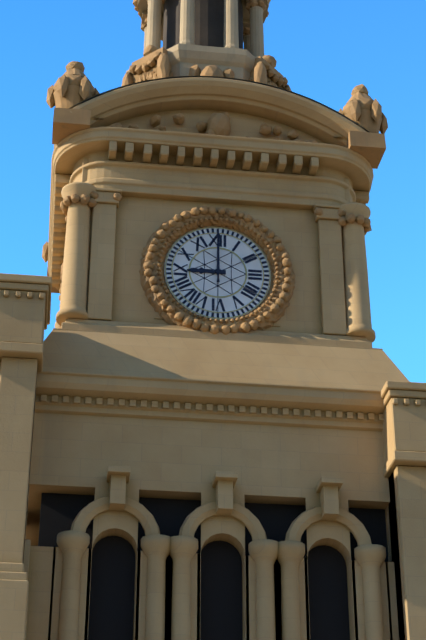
9:00
